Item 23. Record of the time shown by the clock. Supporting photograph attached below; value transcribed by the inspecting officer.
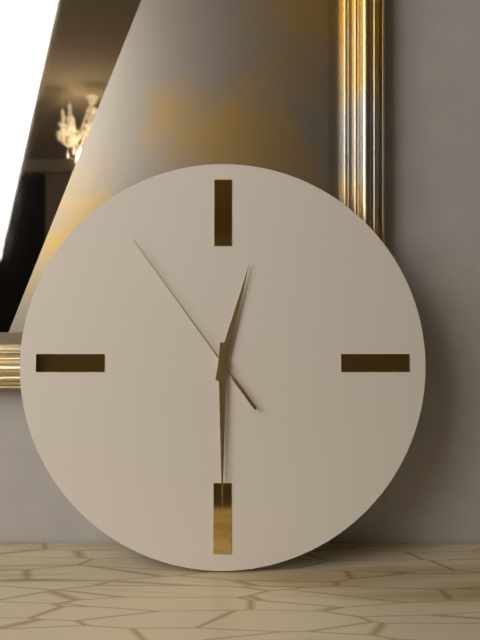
12:30:54
